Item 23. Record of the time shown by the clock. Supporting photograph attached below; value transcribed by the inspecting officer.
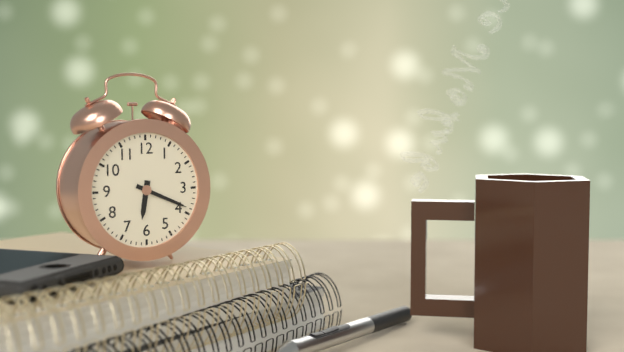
6:19
